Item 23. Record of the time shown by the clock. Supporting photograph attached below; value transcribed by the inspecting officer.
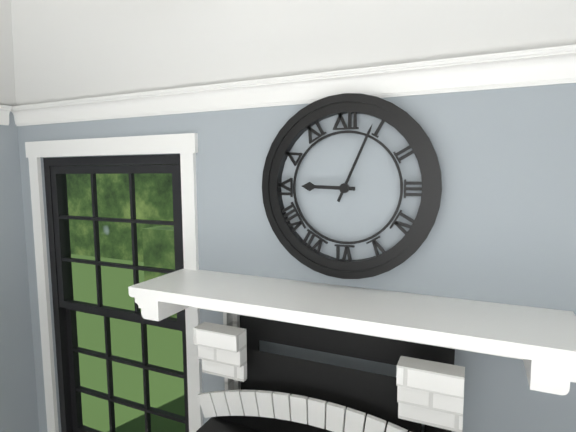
9:04
